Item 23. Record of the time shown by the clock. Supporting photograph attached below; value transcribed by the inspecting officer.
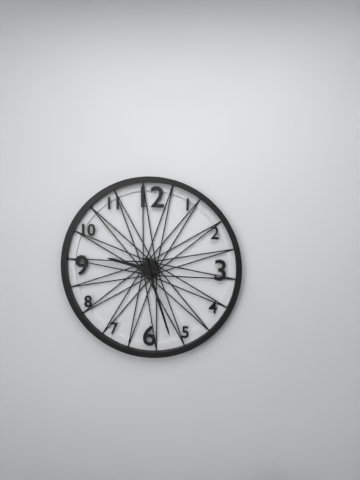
9:27
